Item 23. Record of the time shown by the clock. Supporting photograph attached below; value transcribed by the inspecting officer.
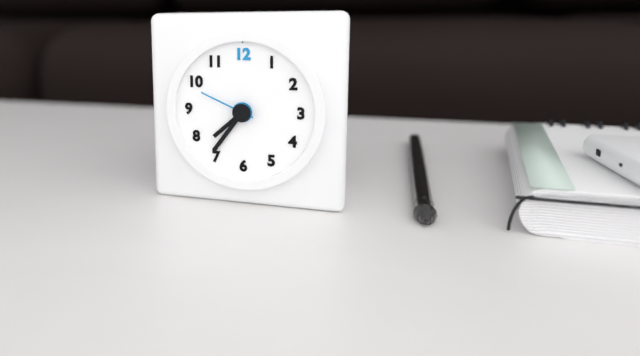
7:36:49
